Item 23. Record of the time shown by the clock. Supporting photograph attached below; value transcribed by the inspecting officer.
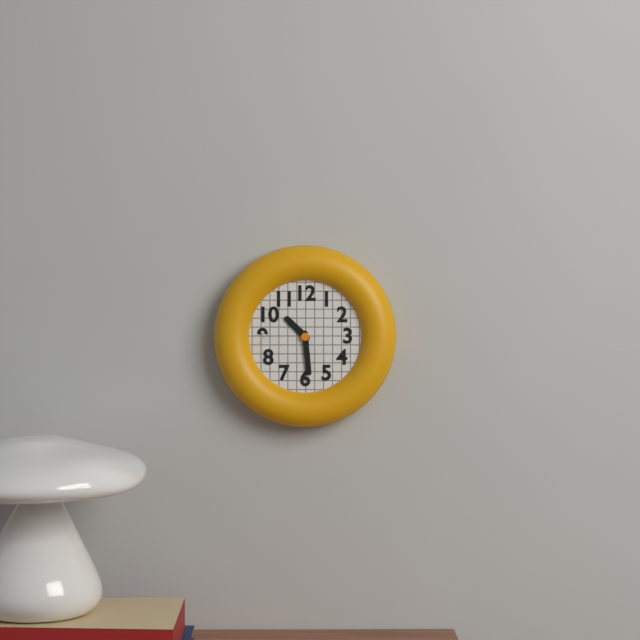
10:29
